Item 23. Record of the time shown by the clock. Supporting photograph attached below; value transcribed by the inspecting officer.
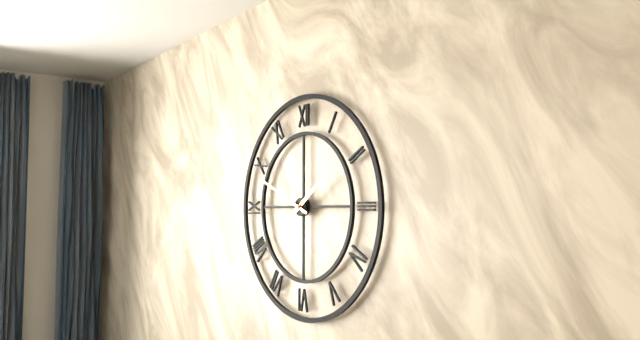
1:49
